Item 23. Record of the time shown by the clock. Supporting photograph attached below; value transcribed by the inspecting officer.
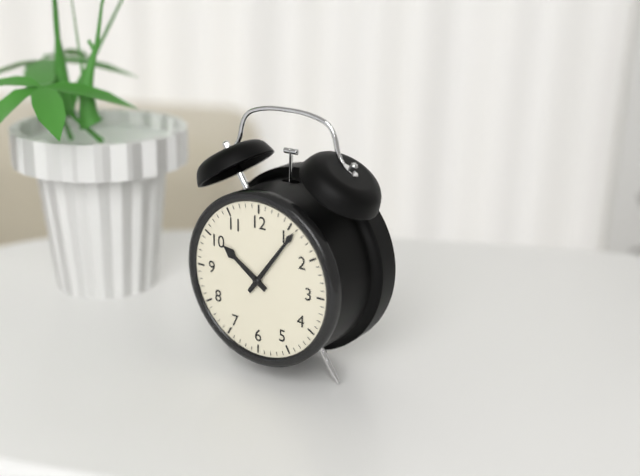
10:06
